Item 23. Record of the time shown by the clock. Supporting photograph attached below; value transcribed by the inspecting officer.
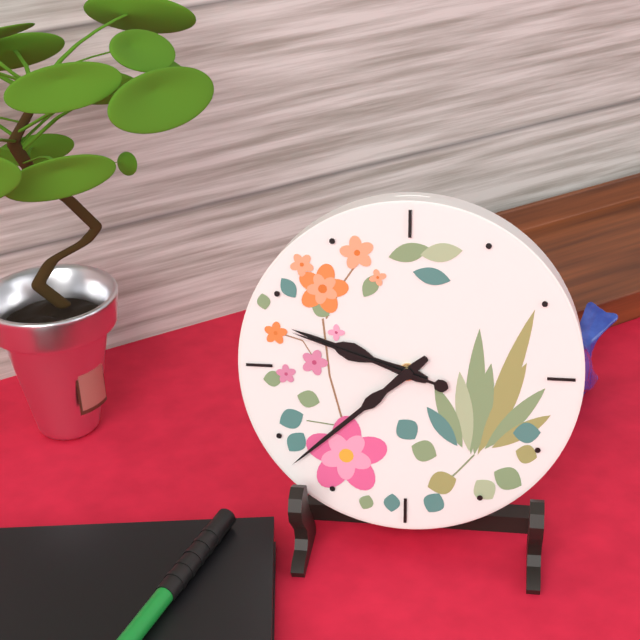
9:38:48
